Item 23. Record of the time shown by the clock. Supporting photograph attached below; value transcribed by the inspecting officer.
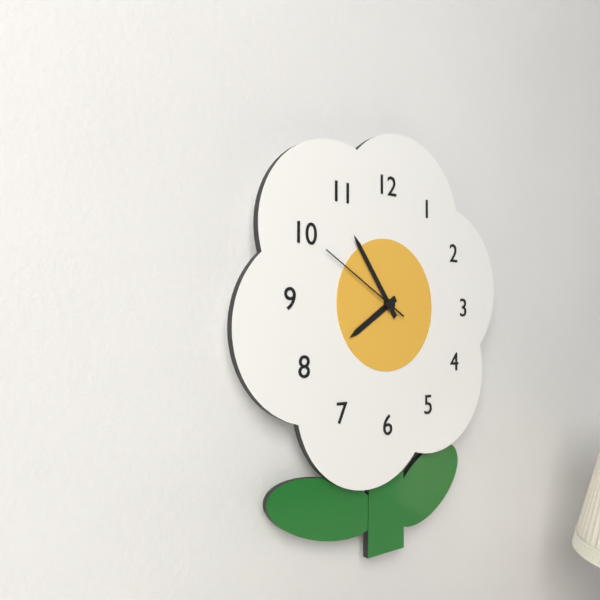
7:54:50
